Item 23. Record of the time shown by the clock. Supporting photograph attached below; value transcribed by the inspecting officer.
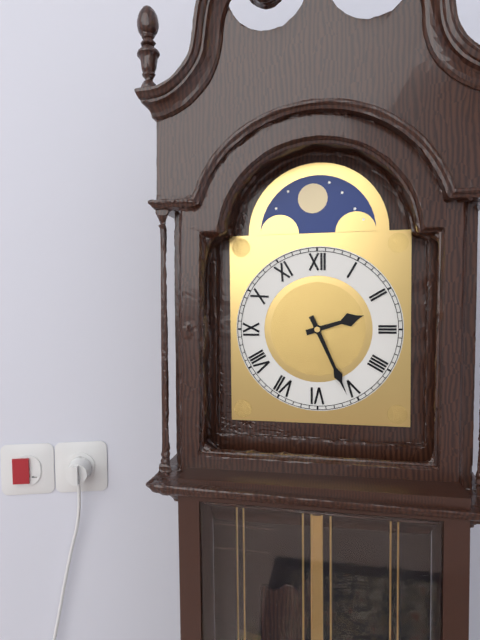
2:26
